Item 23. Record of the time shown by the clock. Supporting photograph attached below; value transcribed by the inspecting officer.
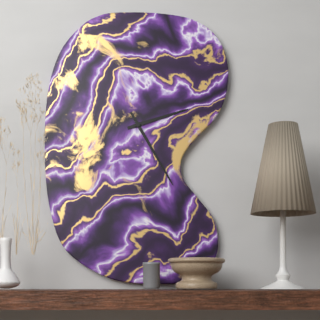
2:25
